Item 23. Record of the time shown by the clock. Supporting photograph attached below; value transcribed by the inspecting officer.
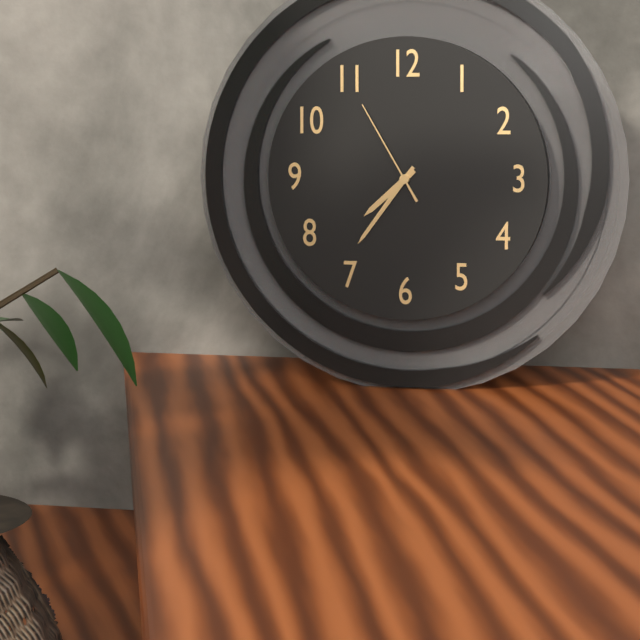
7:36:55
